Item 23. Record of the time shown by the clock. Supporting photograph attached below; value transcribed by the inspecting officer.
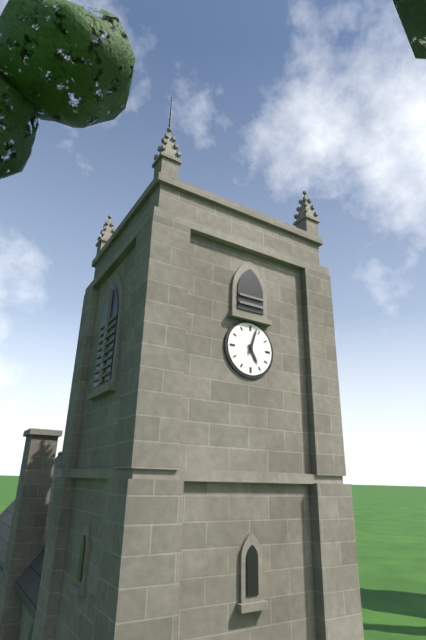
5:03
